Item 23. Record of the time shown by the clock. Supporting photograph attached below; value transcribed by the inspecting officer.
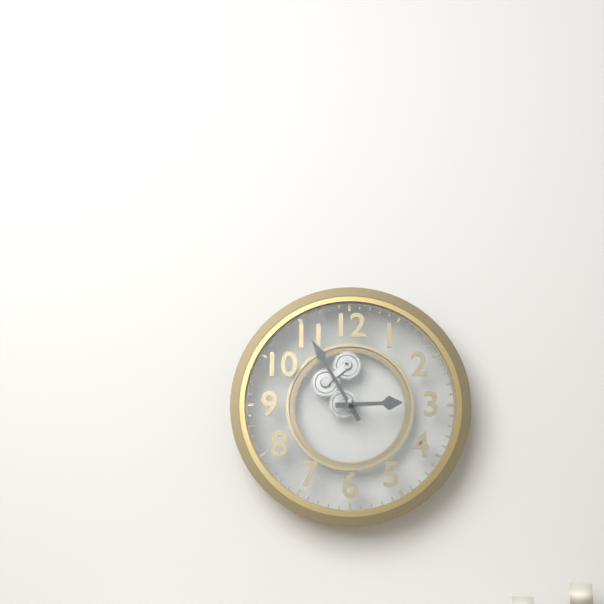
2:55
